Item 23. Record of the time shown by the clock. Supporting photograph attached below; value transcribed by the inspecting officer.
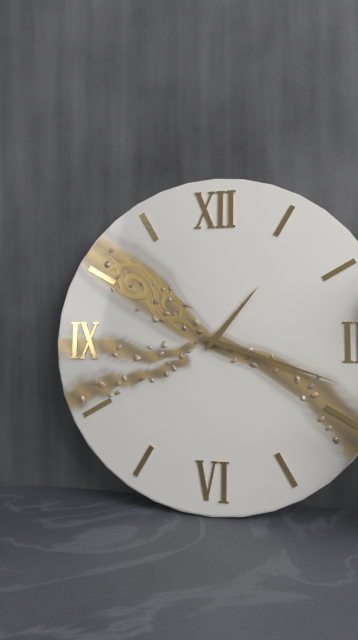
1:18
